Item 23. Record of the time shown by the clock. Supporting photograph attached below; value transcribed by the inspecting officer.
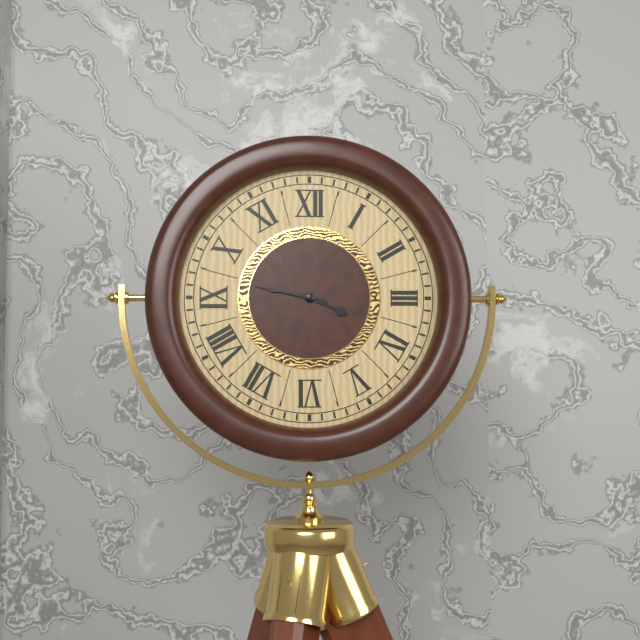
3:47
